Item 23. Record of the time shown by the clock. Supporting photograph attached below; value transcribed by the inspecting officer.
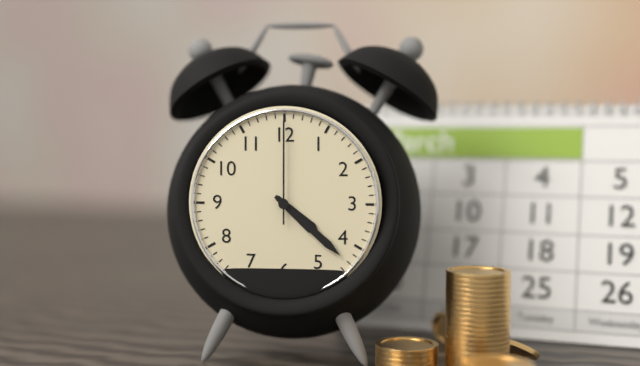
4:22:00
